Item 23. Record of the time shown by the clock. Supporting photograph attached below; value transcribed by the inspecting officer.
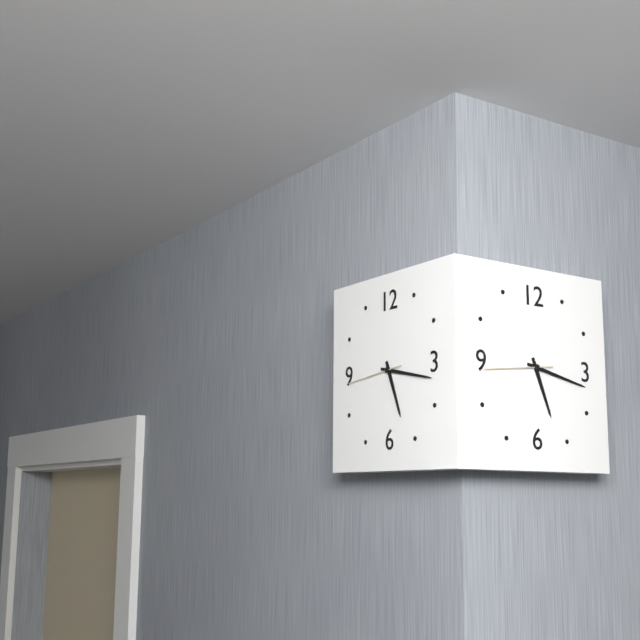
5:17:44
